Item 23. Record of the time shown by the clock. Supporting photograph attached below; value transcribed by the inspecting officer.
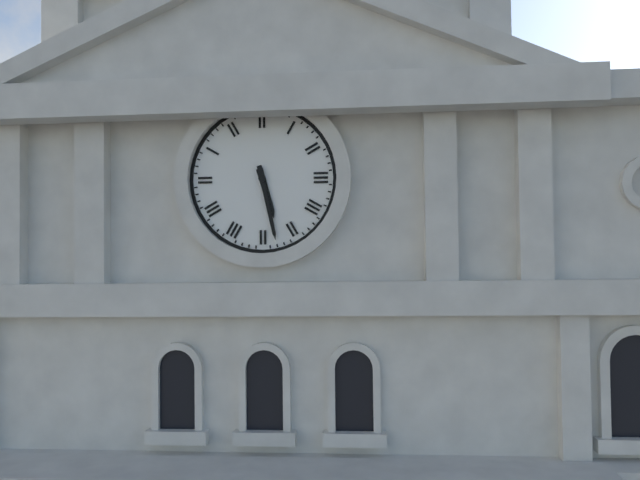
5:28
